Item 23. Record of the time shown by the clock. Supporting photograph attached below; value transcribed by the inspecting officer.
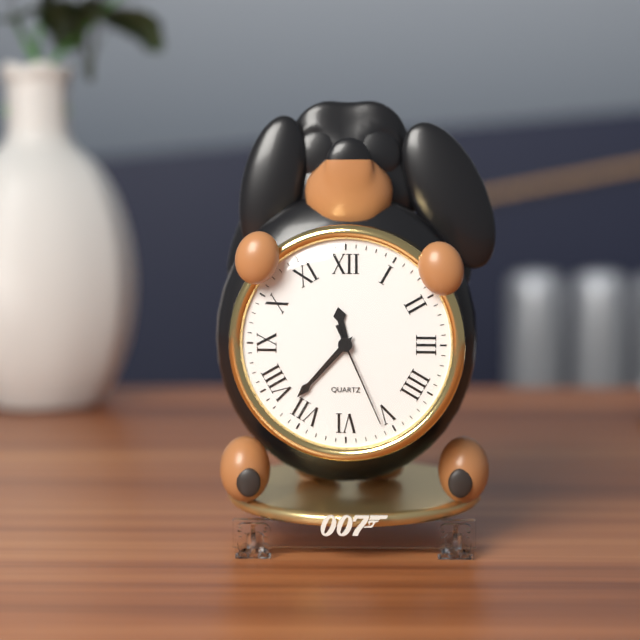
11:37:26
